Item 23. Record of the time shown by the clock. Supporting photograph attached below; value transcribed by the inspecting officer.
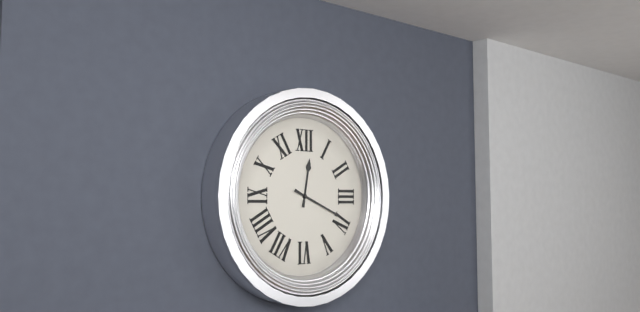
12:19
